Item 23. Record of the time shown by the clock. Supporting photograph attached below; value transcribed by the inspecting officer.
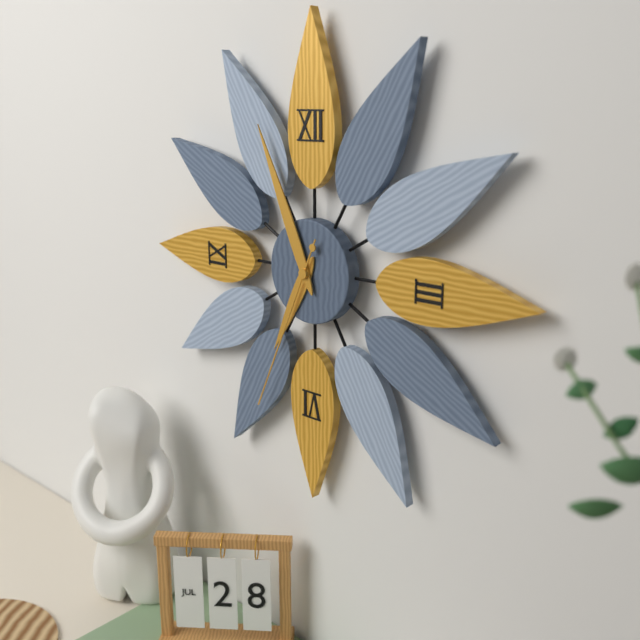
6:56:34
